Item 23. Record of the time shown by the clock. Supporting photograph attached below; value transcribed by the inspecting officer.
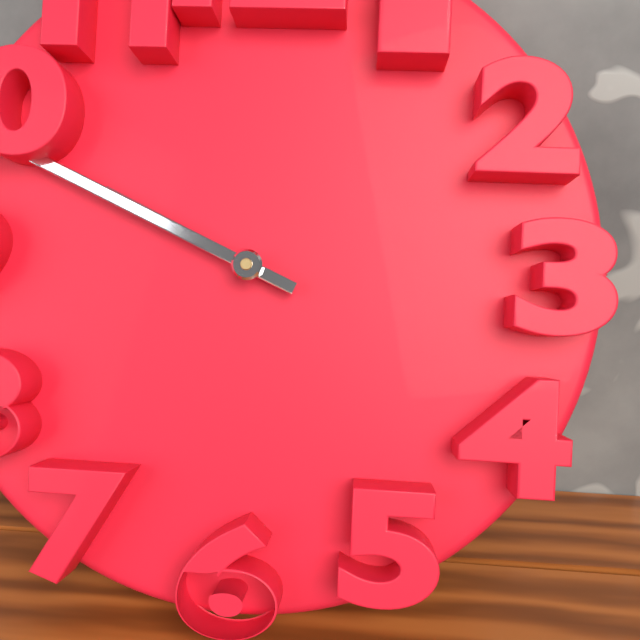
9:49
